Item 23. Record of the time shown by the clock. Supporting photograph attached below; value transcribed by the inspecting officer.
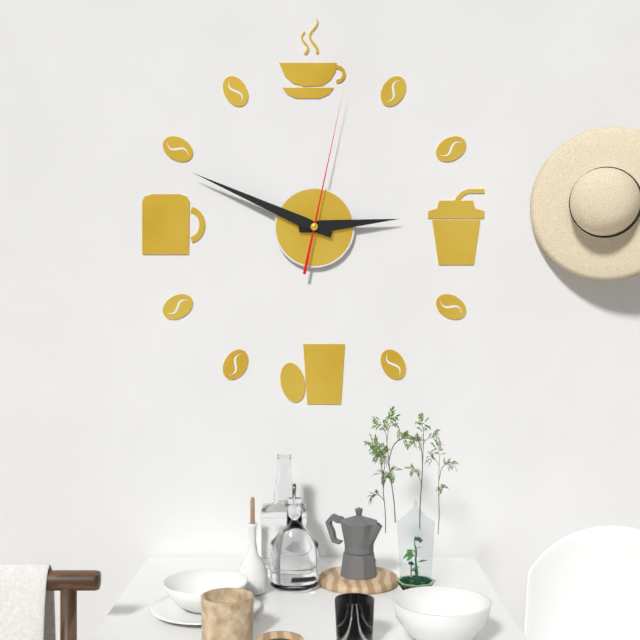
2:49:02
